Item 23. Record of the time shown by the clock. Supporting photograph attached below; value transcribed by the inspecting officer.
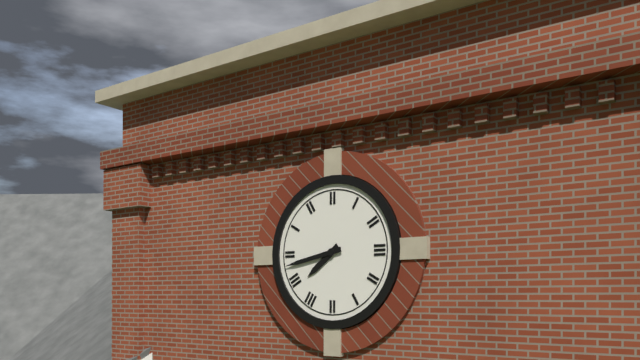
7:43
